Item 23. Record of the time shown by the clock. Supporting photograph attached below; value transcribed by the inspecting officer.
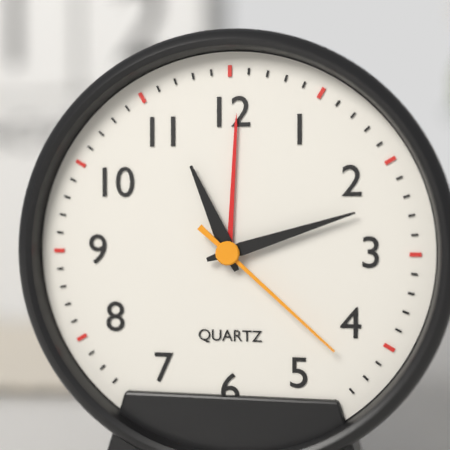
11:12:22
